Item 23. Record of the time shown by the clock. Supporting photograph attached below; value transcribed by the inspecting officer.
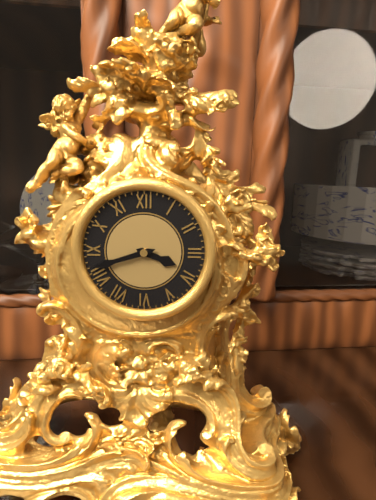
3:42
